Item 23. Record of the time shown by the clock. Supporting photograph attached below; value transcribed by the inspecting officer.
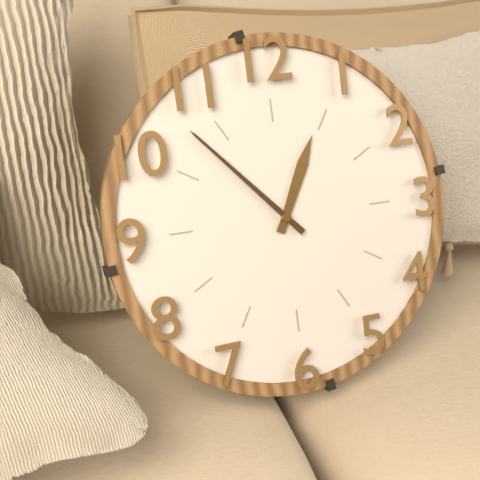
12:53
